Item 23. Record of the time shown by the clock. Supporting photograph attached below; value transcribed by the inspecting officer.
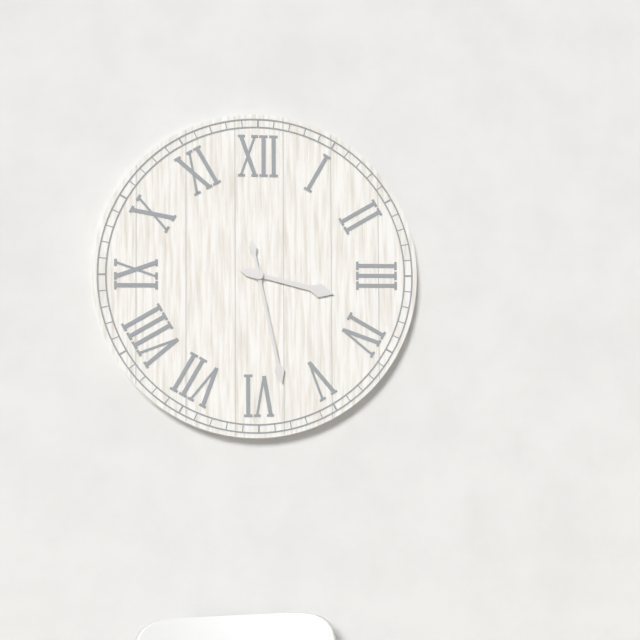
3:28
